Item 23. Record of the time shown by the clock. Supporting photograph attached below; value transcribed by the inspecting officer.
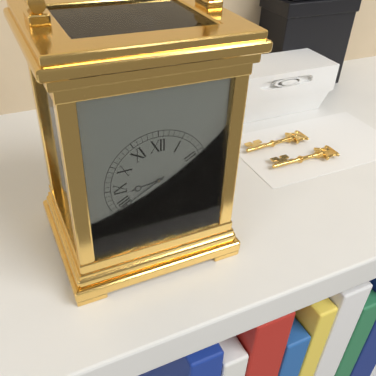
8:40
